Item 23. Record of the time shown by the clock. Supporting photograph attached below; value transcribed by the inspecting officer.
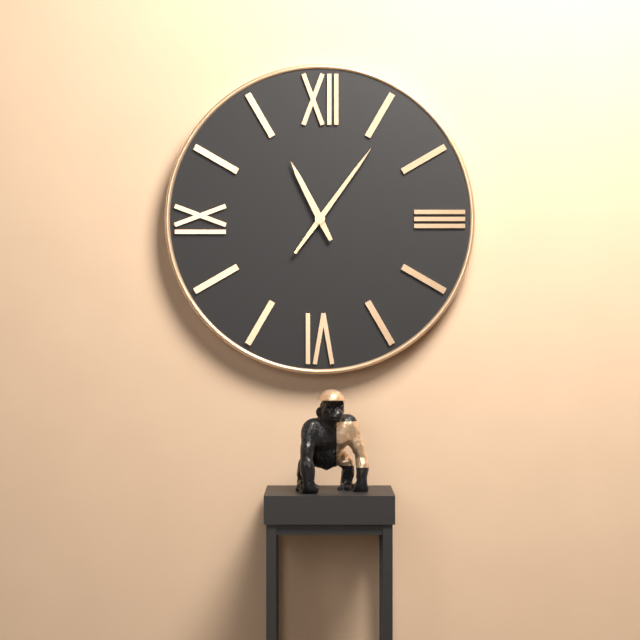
11:06
